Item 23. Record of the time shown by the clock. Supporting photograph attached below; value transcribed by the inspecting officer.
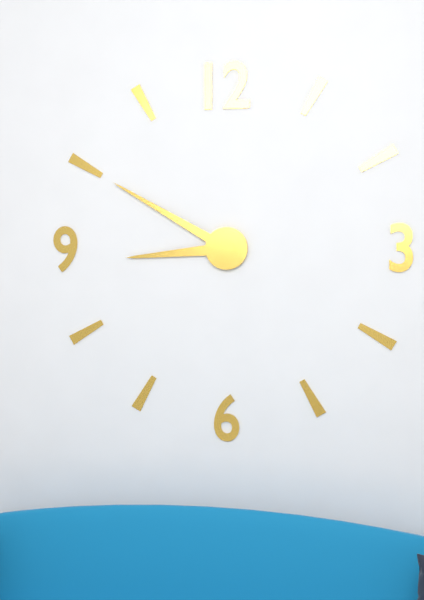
8:50
